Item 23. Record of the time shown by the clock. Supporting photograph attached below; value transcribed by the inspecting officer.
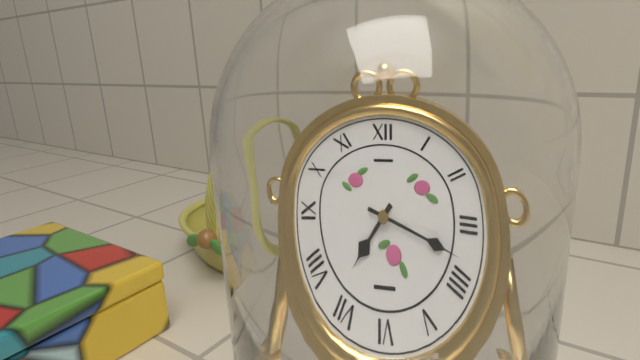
7:18
